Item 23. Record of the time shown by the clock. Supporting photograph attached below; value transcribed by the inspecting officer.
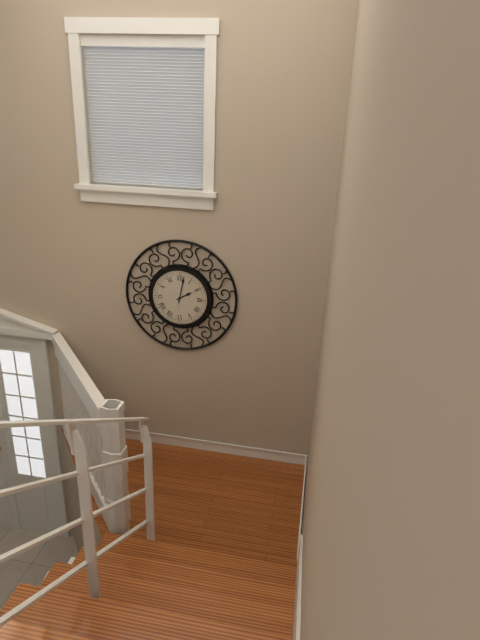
2:02
